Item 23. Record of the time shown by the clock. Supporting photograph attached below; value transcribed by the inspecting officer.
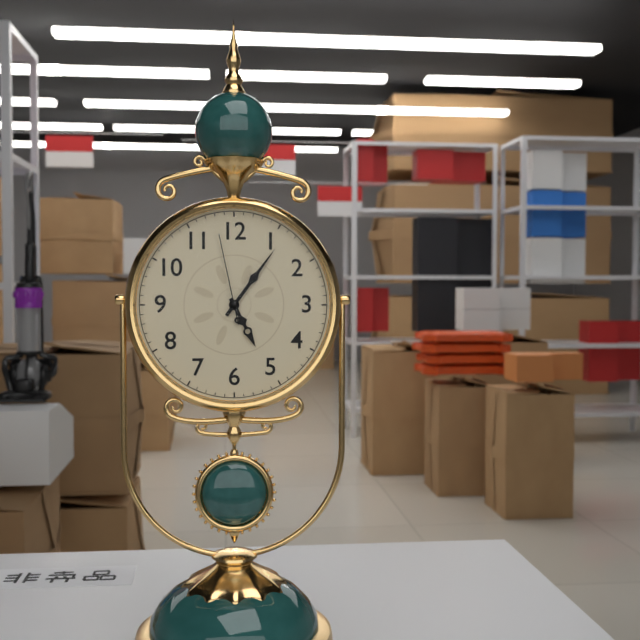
5:06:58
